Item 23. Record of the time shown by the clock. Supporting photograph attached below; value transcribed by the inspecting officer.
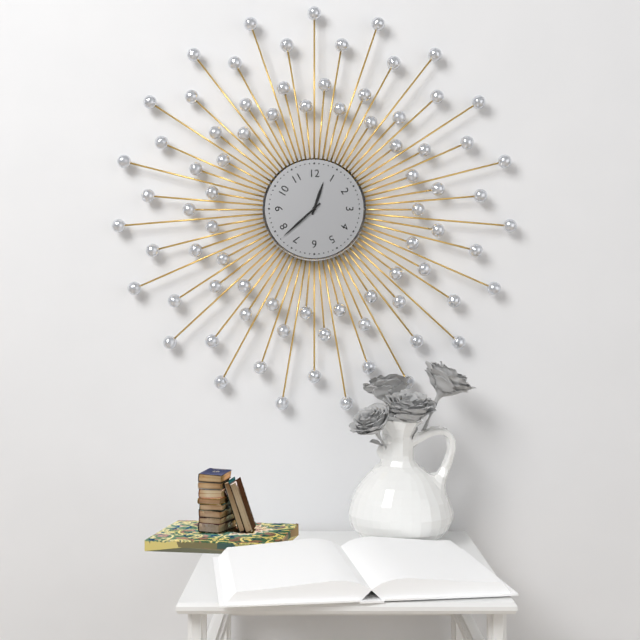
12:38
